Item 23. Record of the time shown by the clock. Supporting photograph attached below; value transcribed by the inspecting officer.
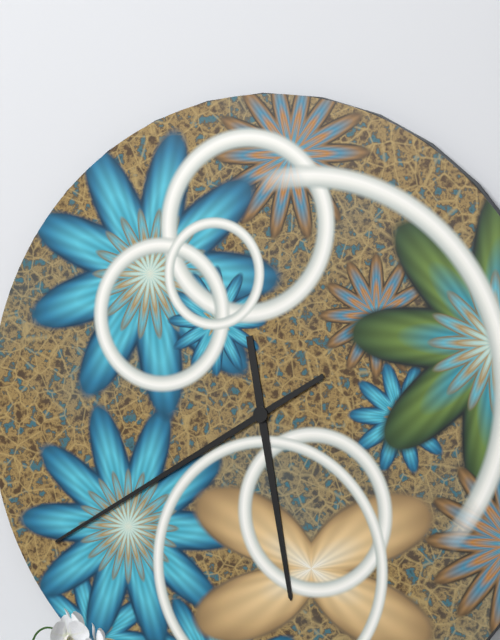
5:40
